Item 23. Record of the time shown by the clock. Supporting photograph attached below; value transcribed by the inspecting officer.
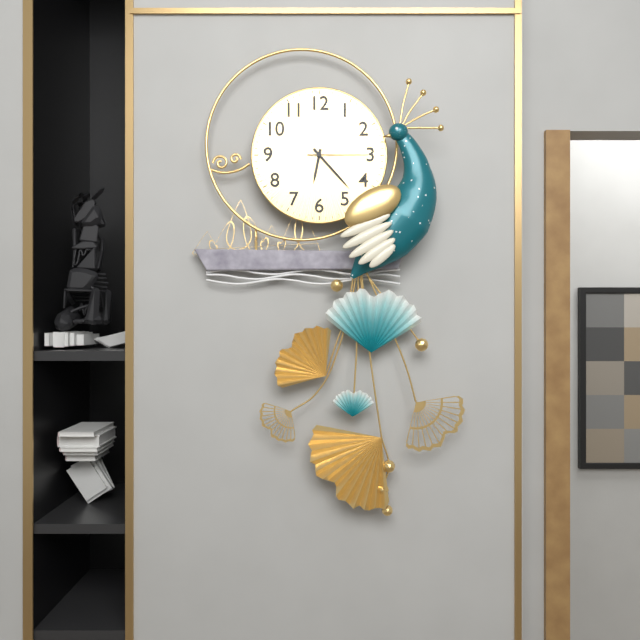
6:23:15
